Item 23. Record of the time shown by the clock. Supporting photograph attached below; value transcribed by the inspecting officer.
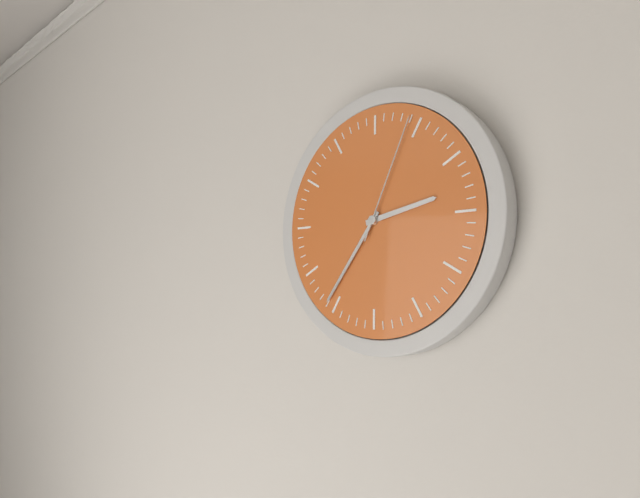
2:36:04
